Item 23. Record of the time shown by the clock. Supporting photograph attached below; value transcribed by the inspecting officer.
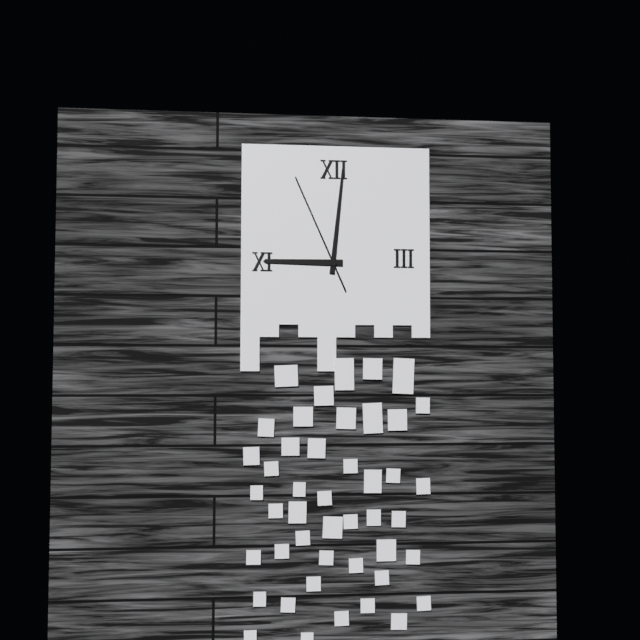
9:01:56
